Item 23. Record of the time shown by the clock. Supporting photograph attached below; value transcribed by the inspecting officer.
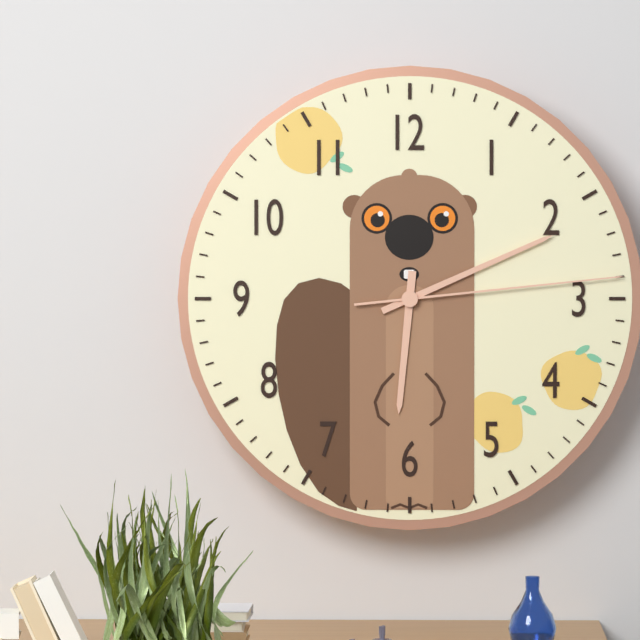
6:11:14
